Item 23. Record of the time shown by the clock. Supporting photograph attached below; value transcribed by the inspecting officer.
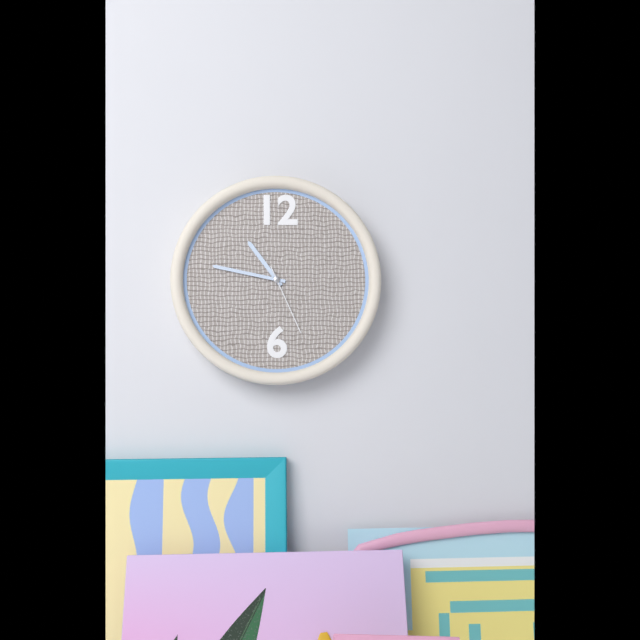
10:47:26
